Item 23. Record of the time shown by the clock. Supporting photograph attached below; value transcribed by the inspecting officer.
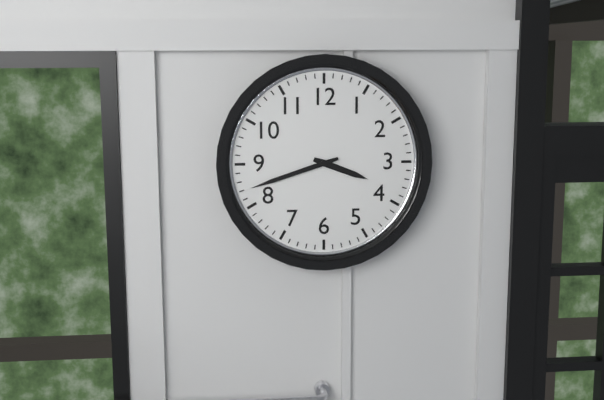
3:42
